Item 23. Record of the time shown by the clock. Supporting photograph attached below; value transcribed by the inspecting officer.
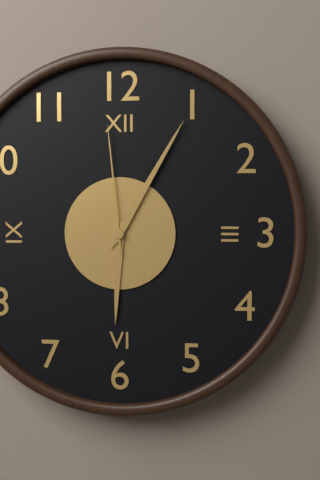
6:05:59
